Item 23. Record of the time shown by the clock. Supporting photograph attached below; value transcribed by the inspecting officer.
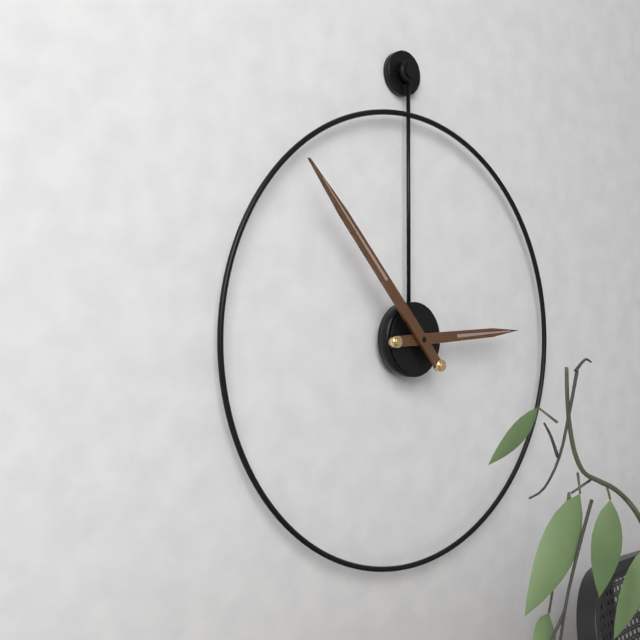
2:53
